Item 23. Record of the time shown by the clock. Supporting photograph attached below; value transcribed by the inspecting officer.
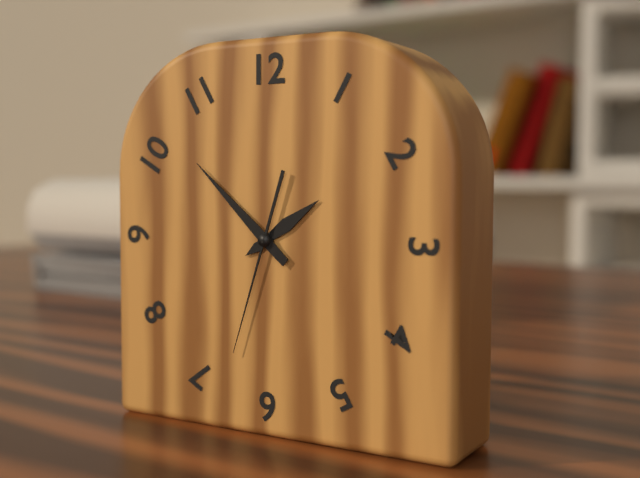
1:52:33
